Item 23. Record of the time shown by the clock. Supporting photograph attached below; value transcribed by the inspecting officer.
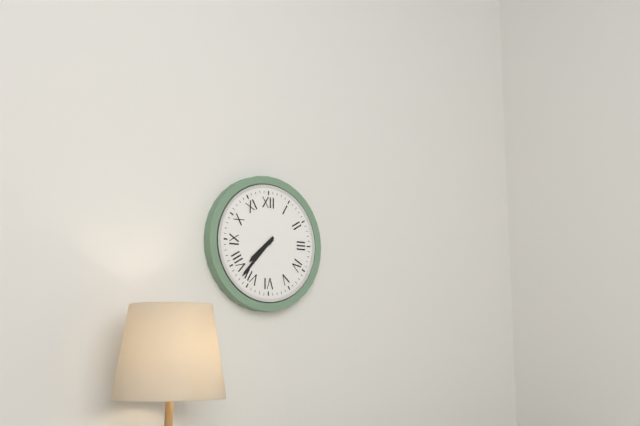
7:37
